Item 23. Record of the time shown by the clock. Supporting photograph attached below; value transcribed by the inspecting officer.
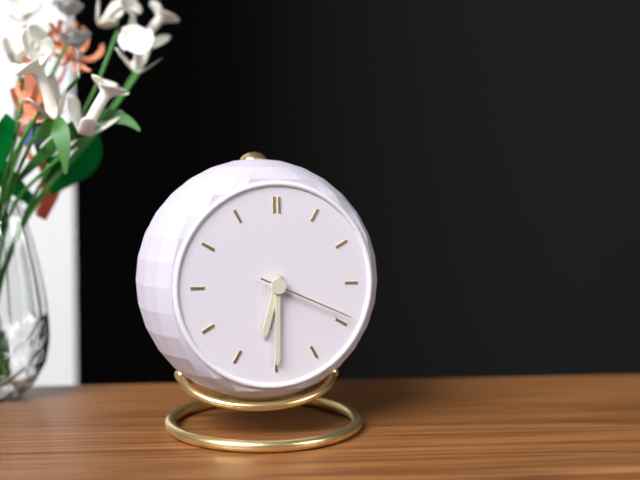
6:30:19
